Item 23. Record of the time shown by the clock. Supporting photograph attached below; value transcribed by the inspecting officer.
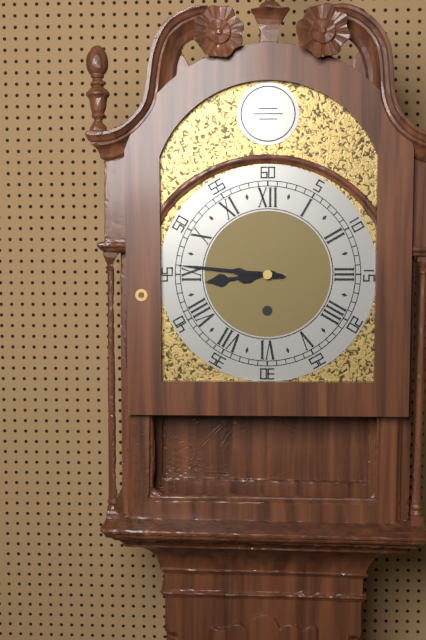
8:46
